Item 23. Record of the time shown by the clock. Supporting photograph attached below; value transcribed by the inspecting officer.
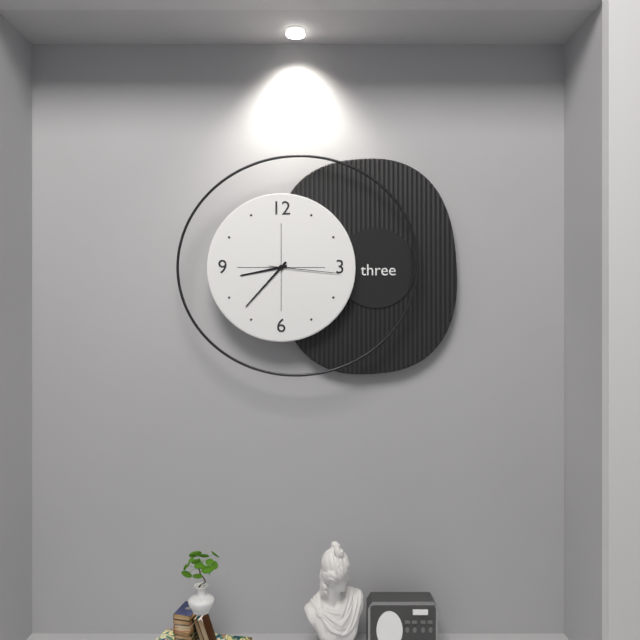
8:37:16
